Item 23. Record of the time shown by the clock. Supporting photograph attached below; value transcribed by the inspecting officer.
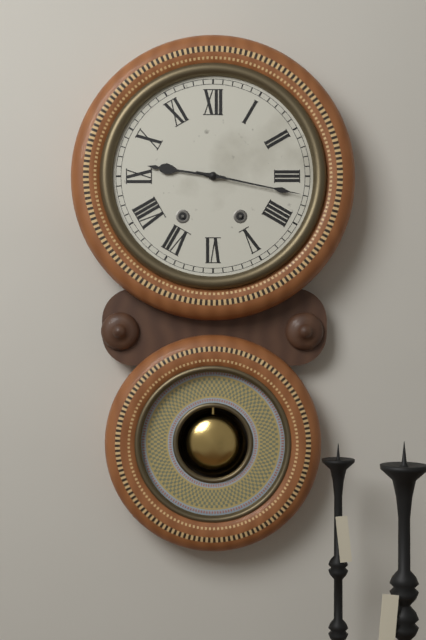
9:17
